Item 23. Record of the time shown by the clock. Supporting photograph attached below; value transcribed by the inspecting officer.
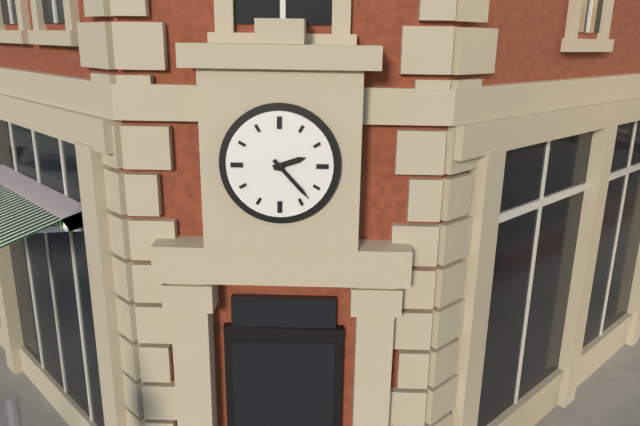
2:23
